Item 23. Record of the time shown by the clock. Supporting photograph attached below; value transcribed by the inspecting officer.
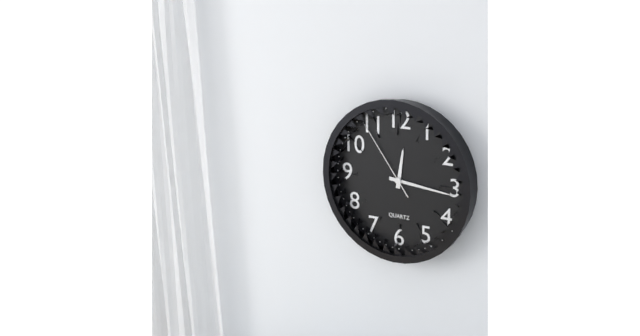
12:16:54
